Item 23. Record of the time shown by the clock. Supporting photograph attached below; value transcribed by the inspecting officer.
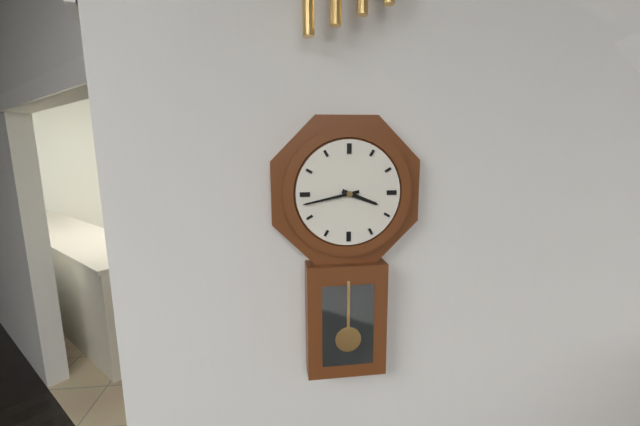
3:43
